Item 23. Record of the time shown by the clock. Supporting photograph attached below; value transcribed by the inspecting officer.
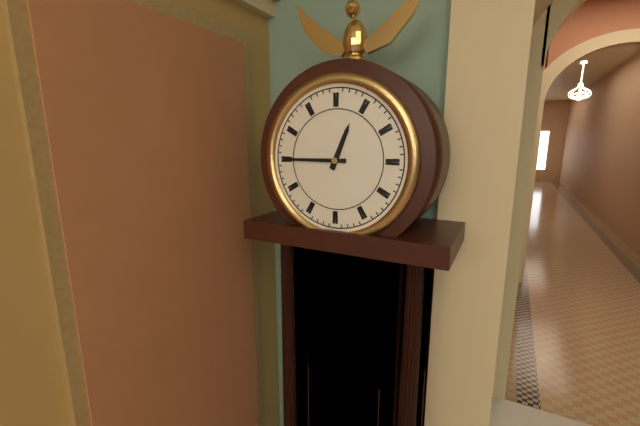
12:45
